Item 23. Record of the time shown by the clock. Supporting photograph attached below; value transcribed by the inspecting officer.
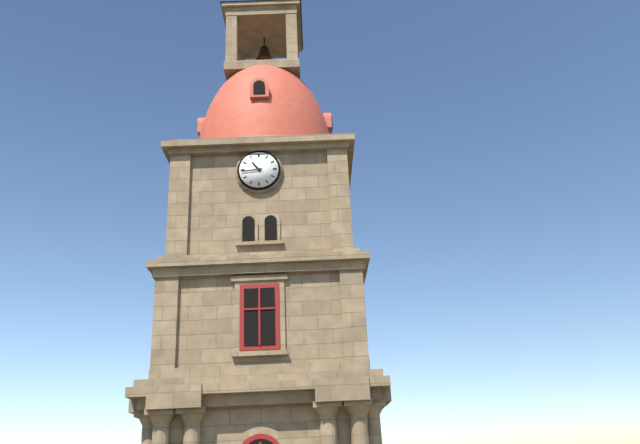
10:44
